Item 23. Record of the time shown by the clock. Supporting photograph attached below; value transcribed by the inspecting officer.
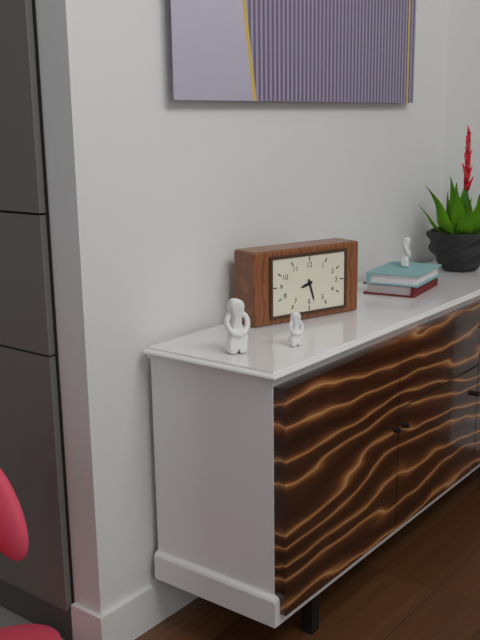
8:27
